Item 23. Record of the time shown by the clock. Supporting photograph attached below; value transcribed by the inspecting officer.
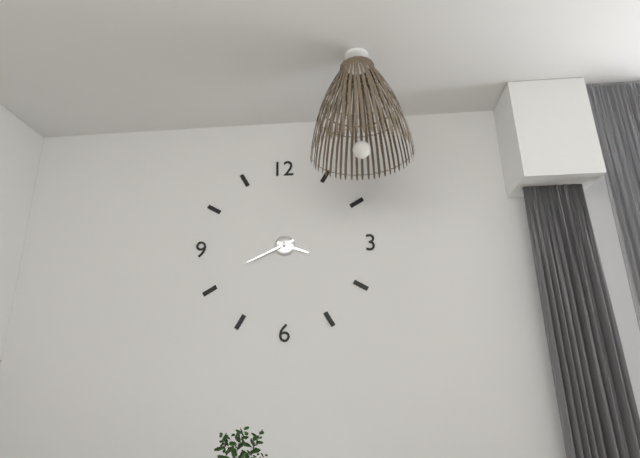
3:41
